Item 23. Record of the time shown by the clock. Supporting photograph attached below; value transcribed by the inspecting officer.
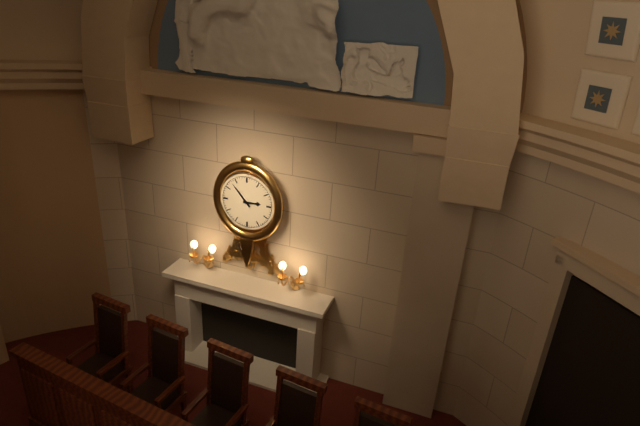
2:53
